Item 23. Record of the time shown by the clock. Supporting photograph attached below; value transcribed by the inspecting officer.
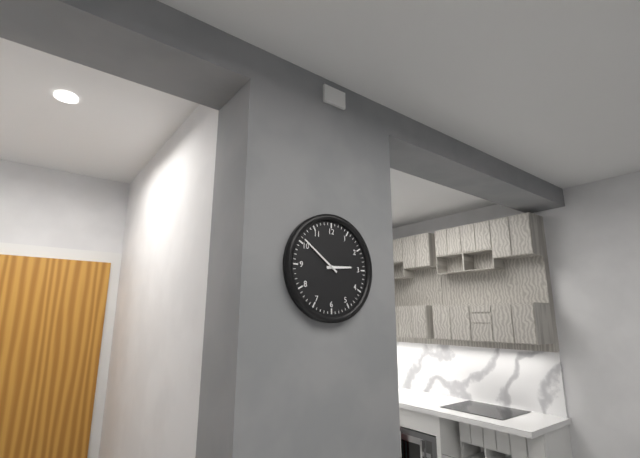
2:51
